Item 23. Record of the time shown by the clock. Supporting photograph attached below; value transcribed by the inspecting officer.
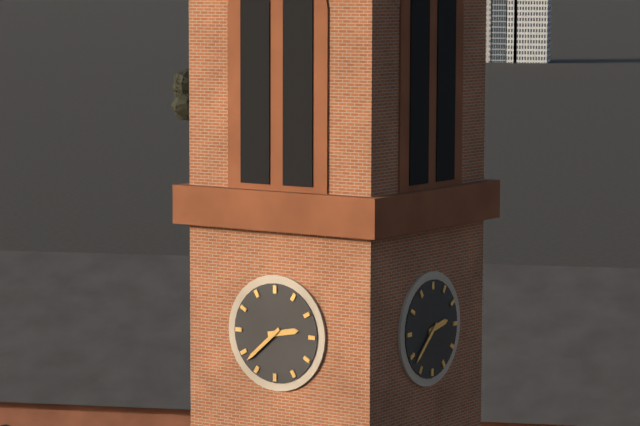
2:38
